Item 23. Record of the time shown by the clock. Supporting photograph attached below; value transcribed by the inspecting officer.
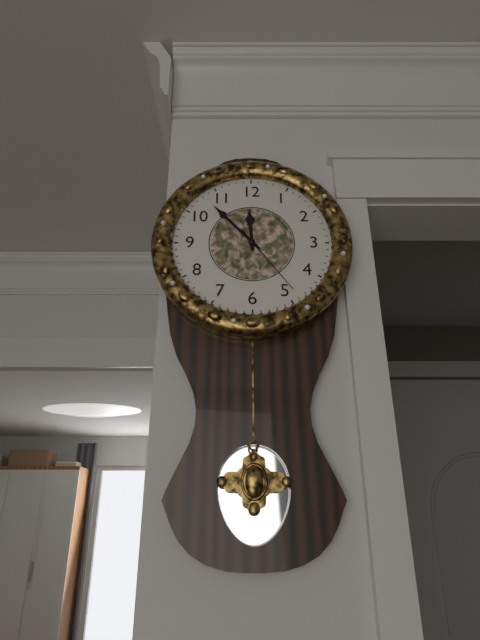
11:53:24
